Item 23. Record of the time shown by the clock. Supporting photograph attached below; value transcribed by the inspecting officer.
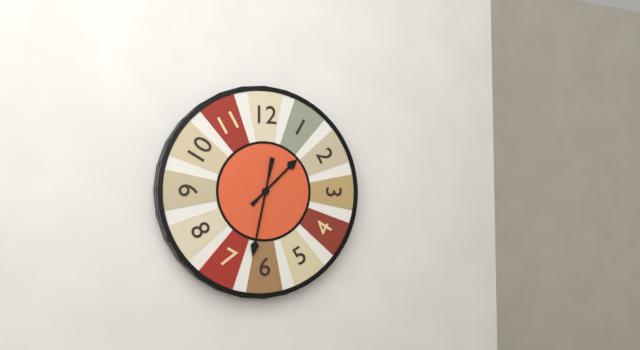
1:32
